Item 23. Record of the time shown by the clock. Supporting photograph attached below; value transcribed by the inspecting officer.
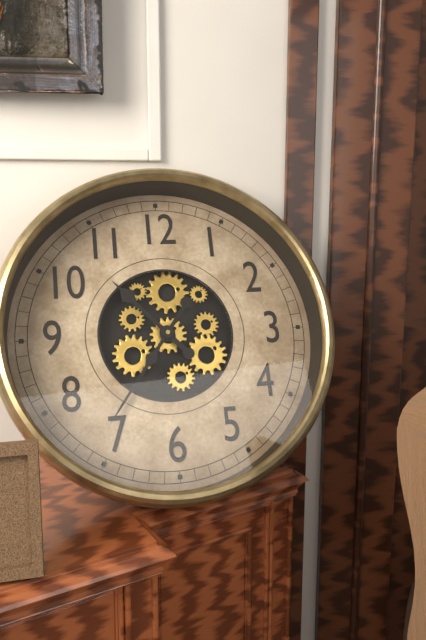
10:36
